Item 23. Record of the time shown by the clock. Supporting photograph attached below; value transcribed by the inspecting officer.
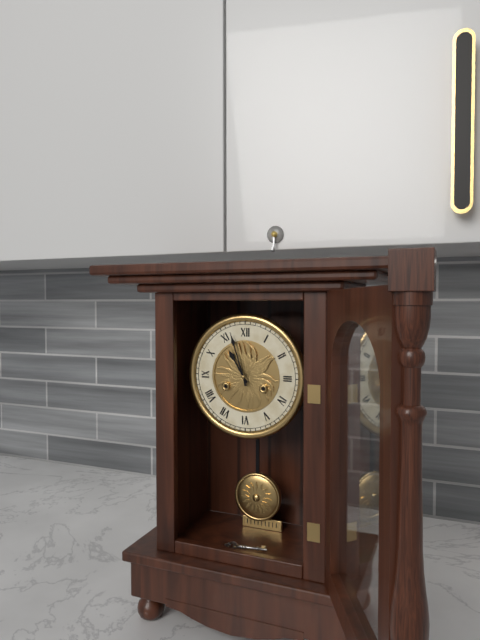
10:57
